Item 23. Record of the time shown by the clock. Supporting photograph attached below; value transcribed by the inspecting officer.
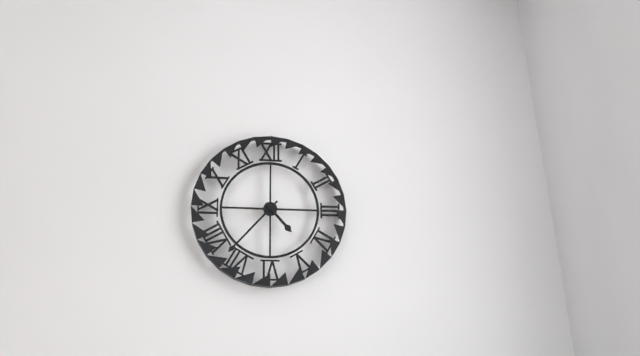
4:37
